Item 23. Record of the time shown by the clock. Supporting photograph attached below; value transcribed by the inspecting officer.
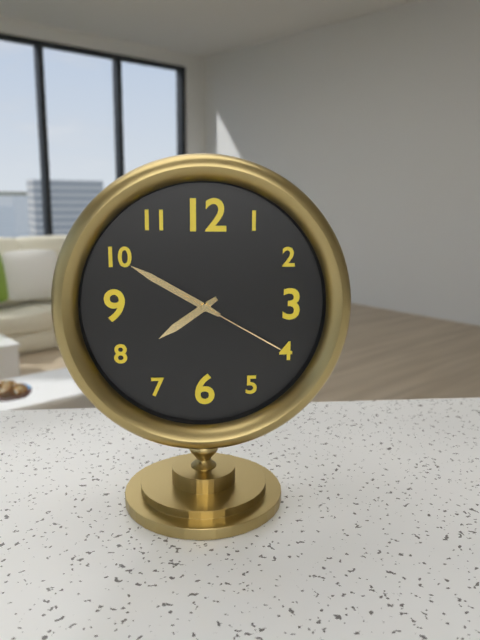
7:50:20
